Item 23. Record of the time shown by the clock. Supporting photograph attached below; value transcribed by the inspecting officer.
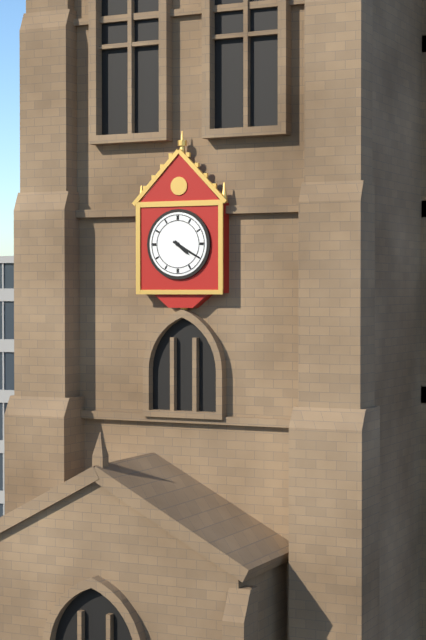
4:20
